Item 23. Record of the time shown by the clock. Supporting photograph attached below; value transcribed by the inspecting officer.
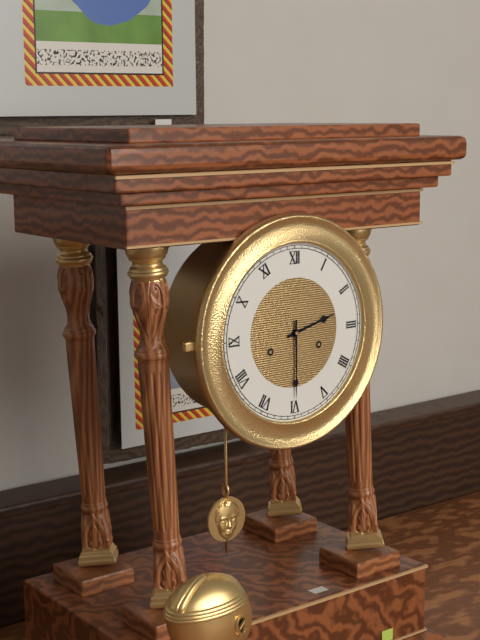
2:30
